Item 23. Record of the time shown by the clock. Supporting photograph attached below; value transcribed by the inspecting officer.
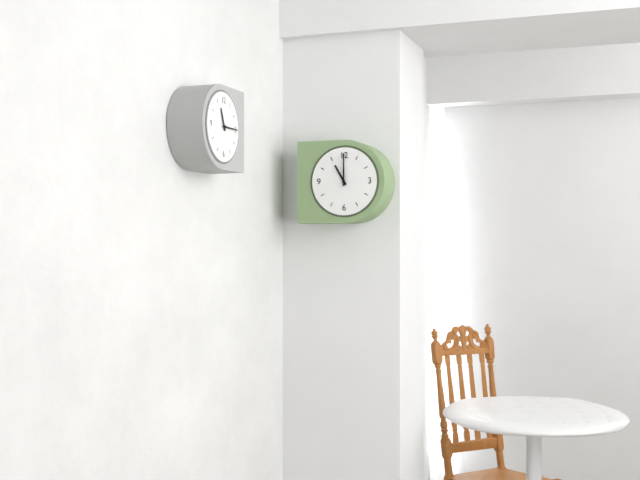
11:00
